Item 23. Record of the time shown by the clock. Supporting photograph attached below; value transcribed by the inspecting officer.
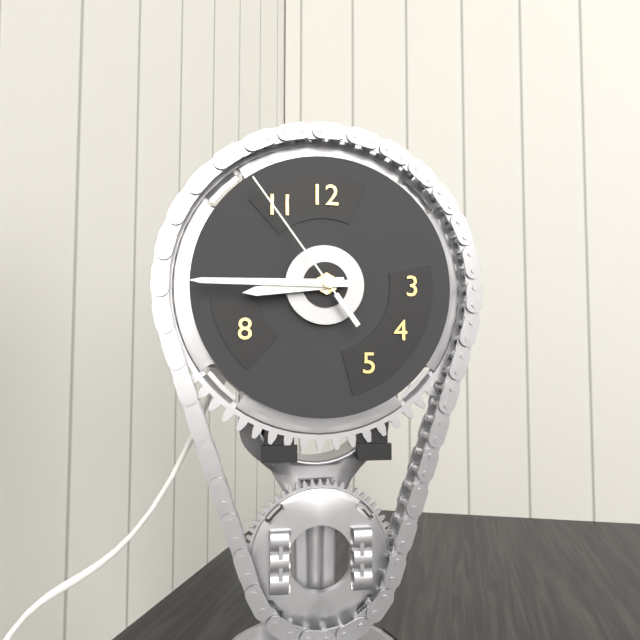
8:45:54
